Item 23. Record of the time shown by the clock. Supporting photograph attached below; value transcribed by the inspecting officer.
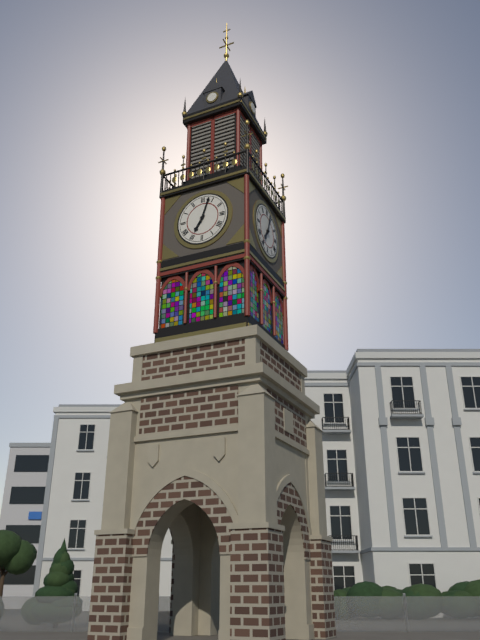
7:03
